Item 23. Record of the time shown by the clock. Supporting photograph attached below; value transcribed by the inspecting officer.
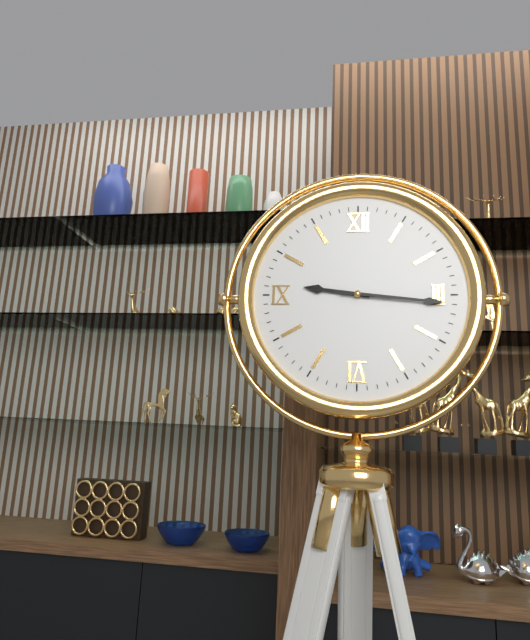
9:16
